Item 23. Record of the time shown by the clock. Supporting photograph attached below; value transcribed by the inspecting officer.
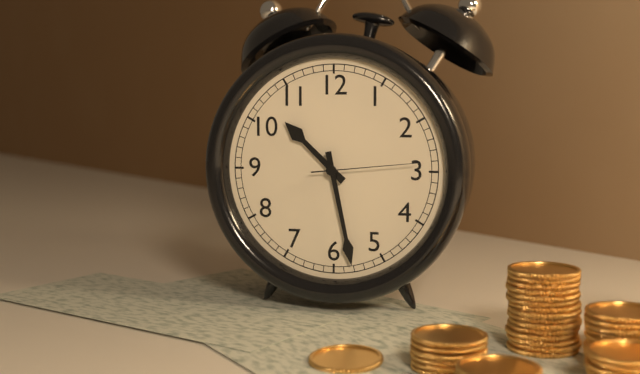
10:28:14
